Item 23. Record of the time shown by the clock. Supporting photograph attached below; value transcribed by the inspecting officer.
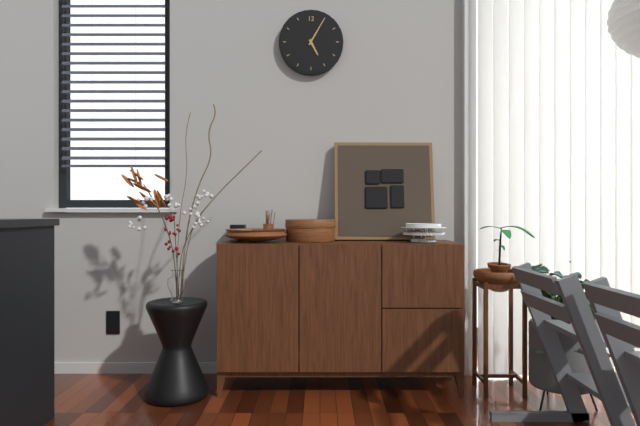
5:05
